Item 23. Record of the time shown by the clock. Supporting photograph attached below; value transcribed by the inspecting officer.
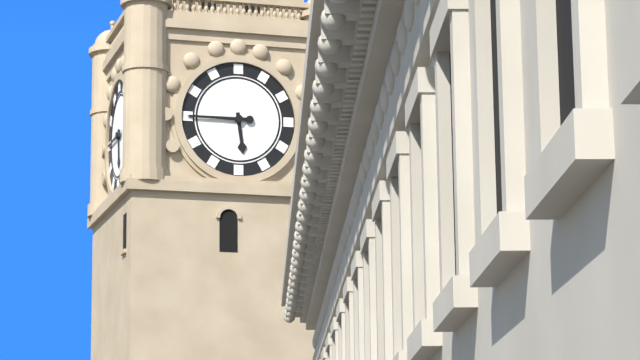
5:45
